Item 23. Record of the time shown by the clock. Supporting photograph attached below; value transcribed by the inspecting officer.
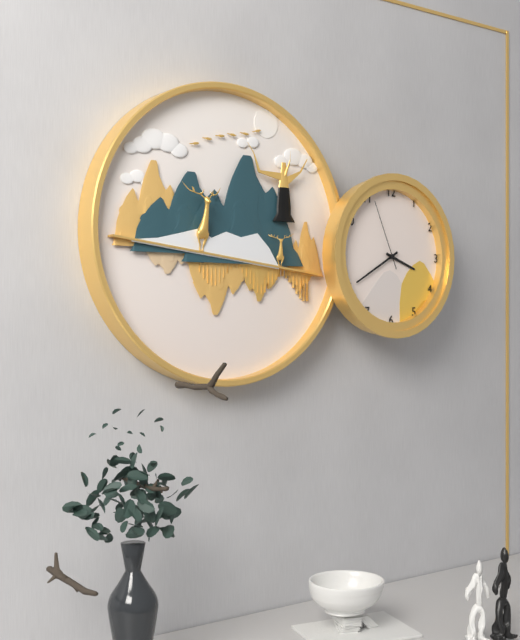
3:40:56
